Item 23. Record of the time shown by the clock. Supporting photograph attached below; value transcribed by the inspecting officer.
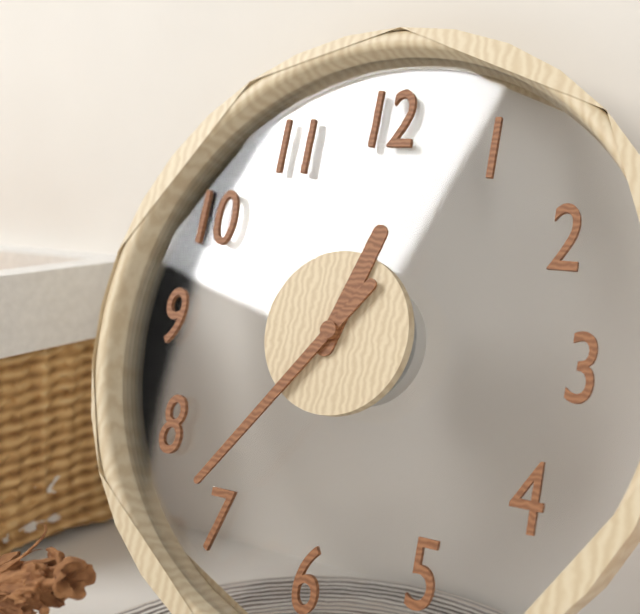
12:36
